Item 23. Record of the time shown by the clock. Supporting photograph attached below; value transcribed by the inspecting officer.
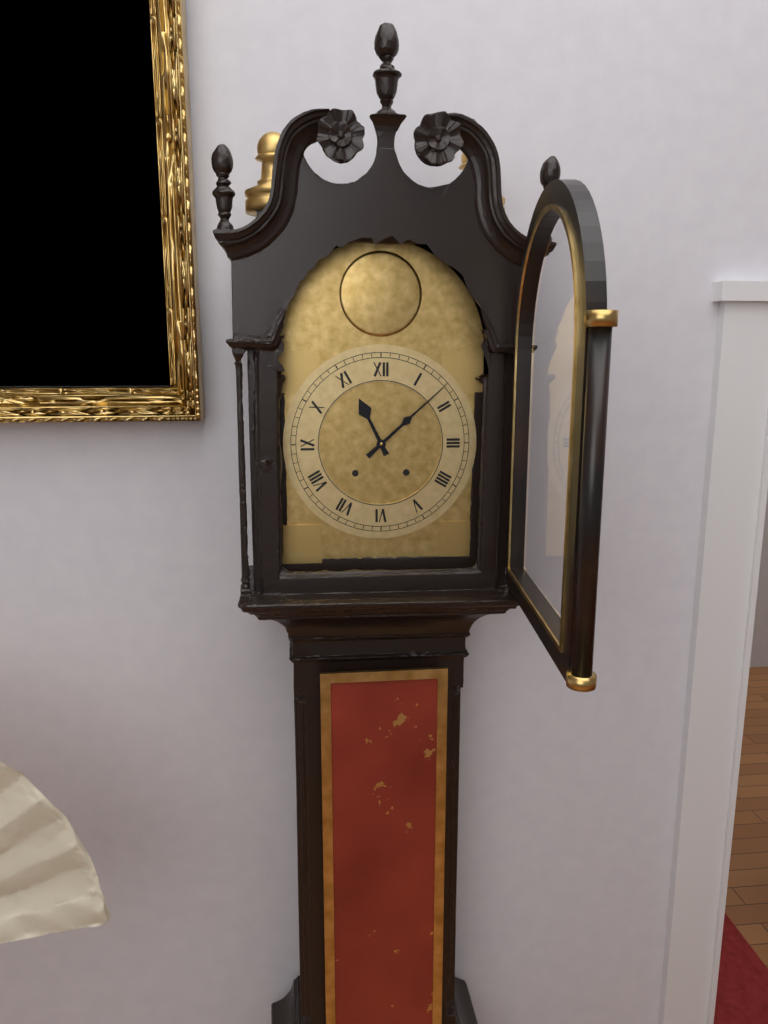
11:08
